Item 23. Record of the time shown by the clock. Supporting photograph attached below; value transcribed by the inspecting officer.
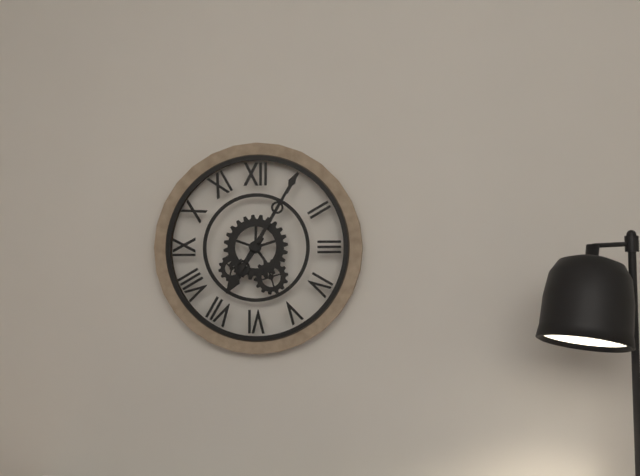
7:05
